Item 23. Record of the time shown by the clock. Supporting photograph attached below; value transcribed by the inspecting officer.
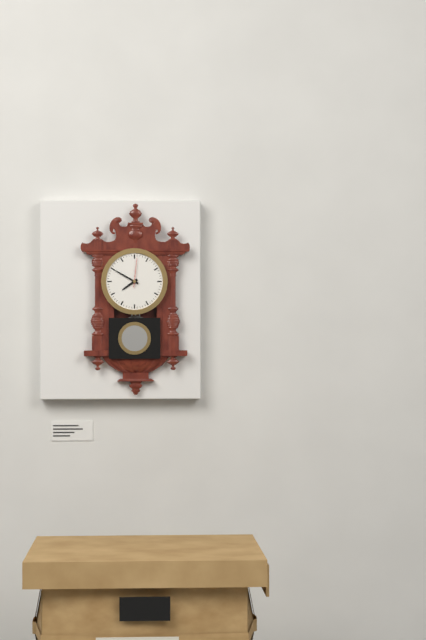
7:50
